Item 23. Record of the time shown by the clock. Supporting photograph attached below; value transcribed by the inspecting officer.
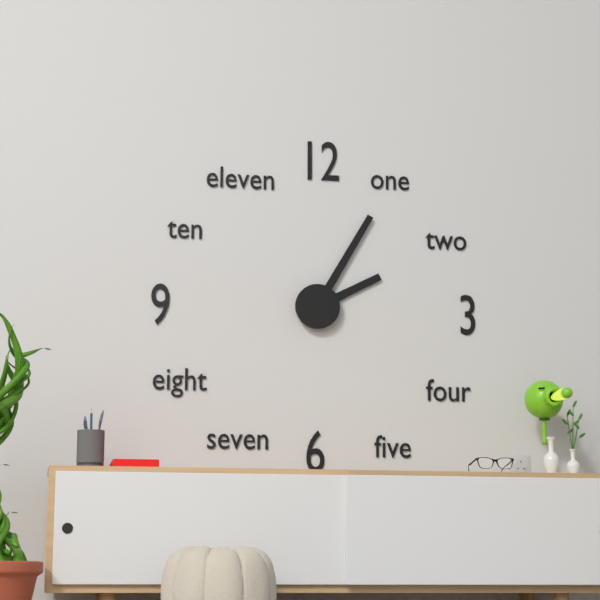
2:05
